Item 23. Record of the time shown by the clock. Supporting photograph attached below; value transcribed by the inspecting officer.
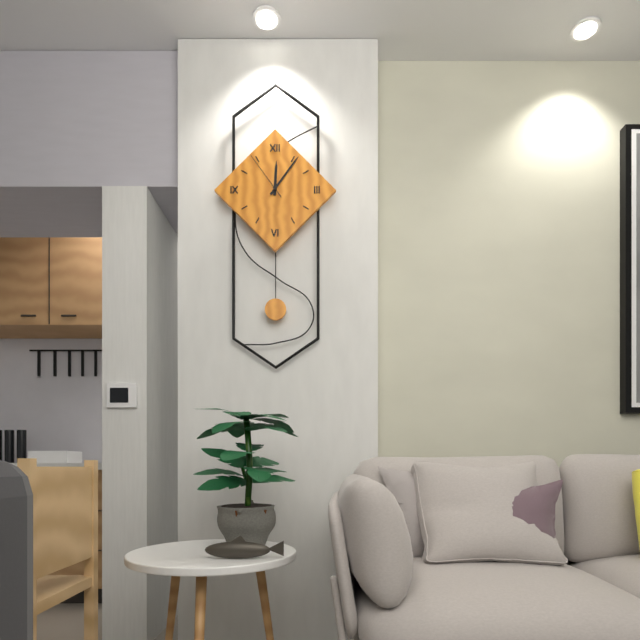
12:06:54
